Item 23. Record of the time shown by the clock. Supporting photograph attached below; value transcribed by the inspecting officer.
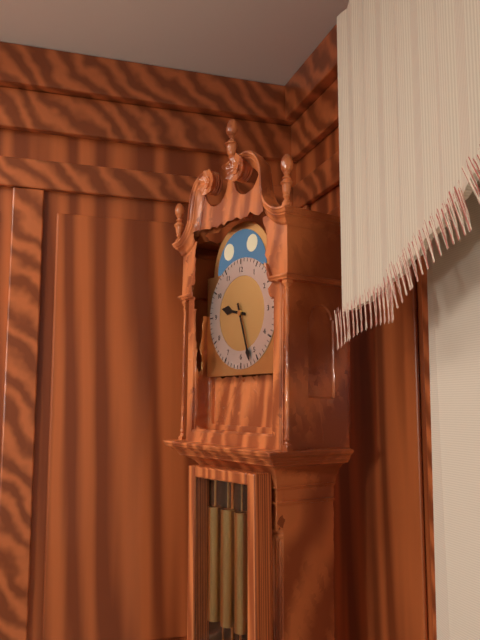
9:27
